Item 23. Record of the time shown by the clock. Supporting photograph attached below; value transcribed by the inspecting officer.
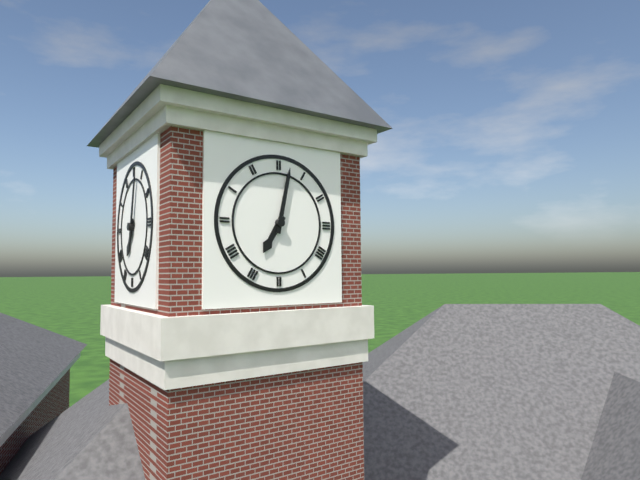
7:02
